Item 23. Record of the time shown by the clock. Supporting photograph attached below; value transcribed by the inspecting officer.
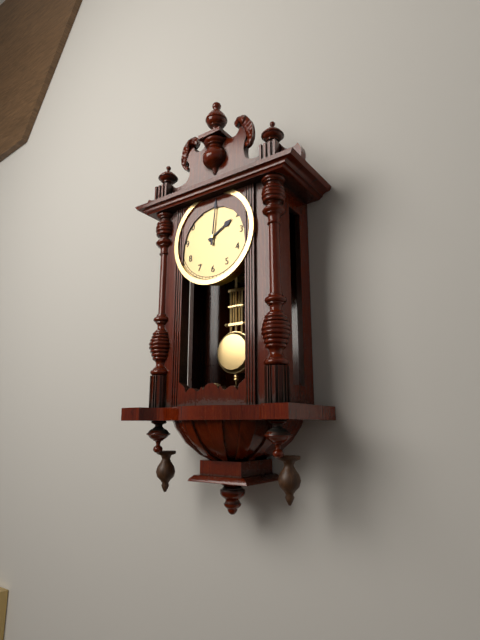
2:01
